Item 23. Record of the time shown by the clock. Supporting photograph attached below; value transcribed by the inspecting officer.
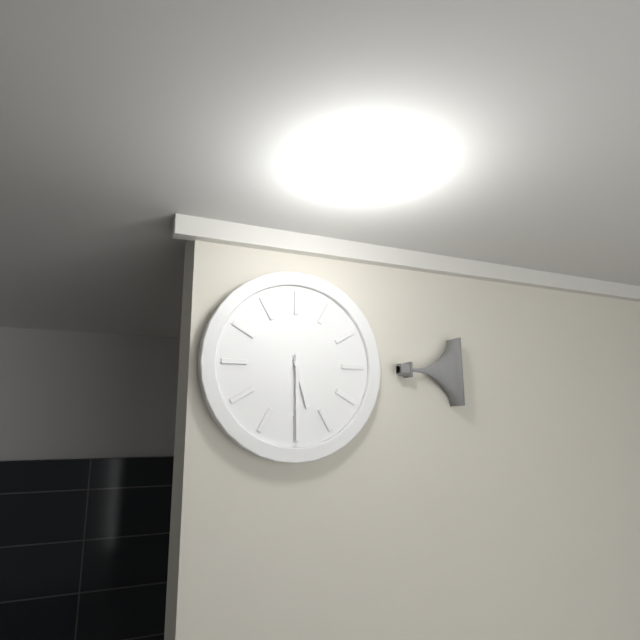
5:30
